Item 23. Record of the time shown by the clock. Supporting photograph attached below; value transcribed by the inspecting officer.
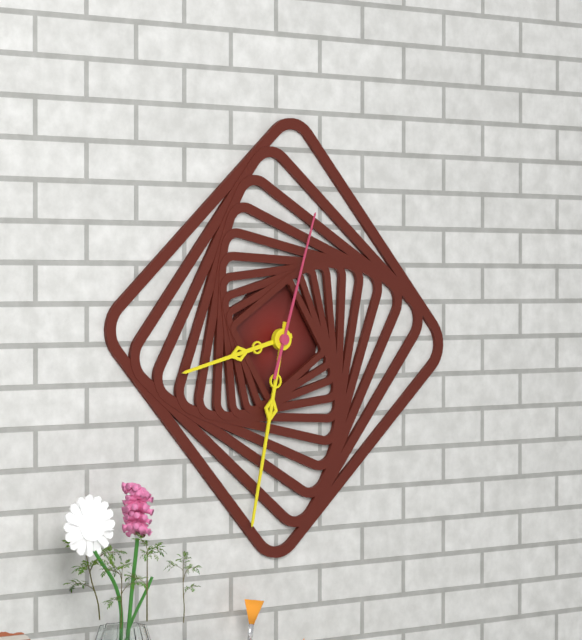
8:32:03
